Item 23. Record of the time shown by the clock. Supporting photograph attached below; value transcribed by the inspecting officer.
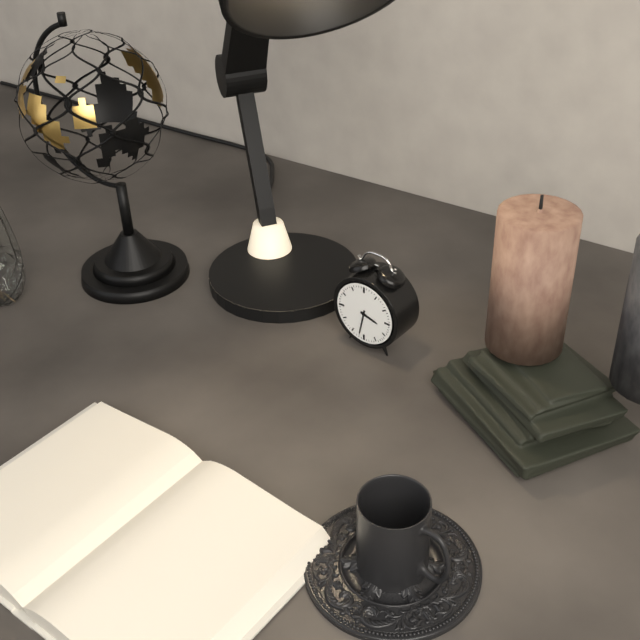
3:32
